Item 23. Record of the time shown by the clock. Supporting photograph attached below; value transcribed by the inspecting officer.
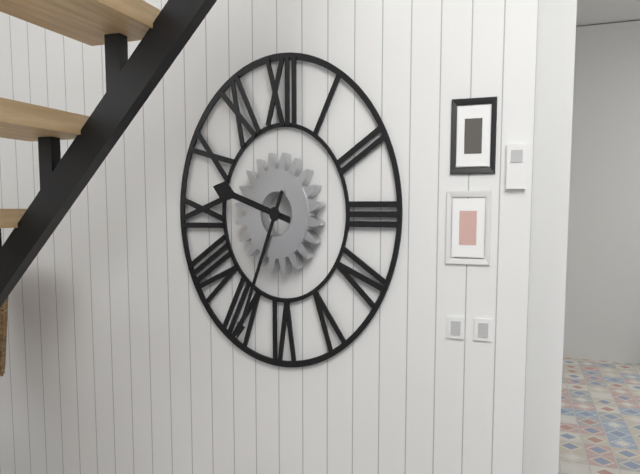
9:34
